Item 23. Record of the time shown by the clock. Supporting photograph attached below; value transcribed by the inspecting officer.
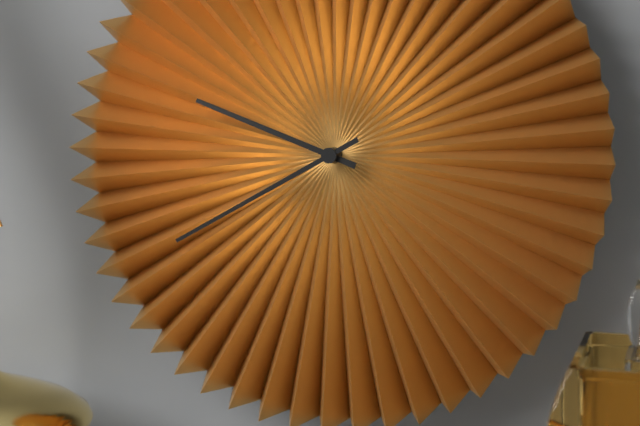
9:40
